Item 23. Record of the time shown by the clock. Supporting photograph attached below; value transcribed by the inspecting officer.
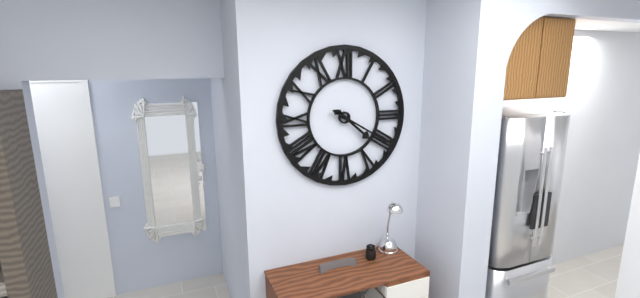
4:20
